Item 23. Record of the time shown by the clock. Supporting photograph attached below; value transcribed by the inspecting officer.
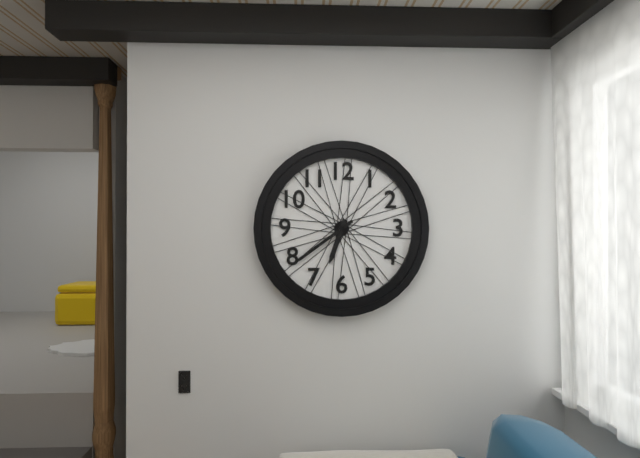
6:39
